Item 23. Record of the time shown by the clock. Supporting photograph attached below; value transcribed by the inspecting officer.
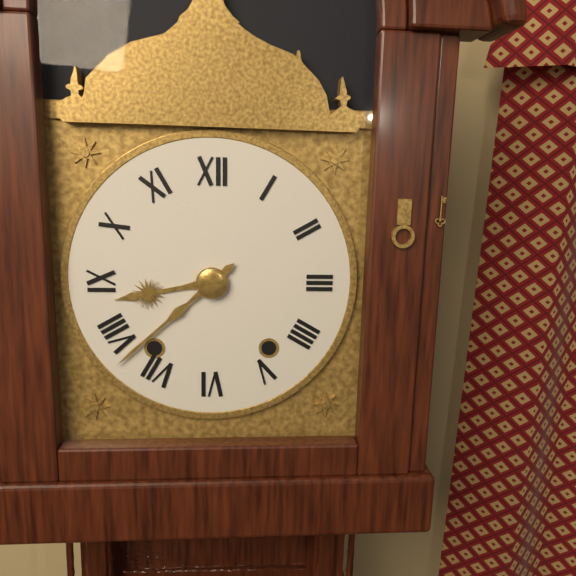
8:38
